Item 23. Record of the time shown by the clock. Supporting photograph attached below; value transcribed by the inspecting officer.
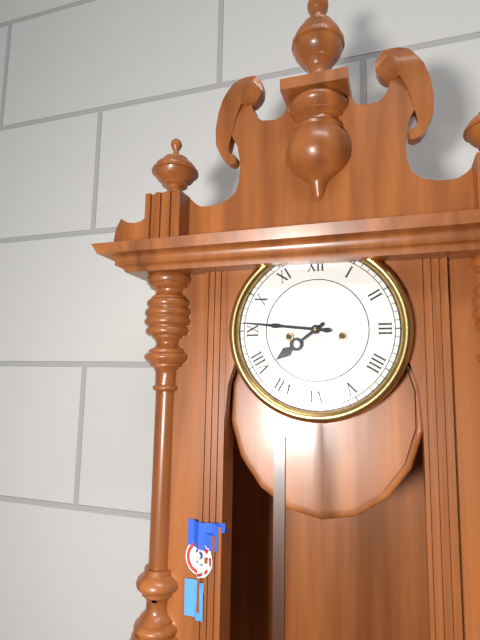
7:46
